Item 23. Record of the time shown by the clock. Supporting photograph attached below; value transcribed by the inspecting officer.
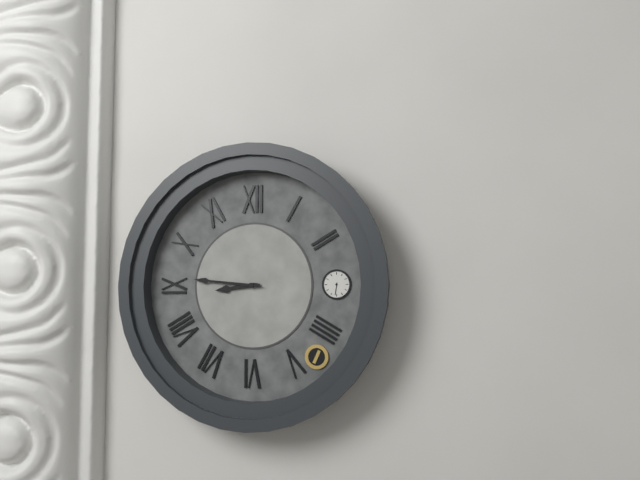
8:46
